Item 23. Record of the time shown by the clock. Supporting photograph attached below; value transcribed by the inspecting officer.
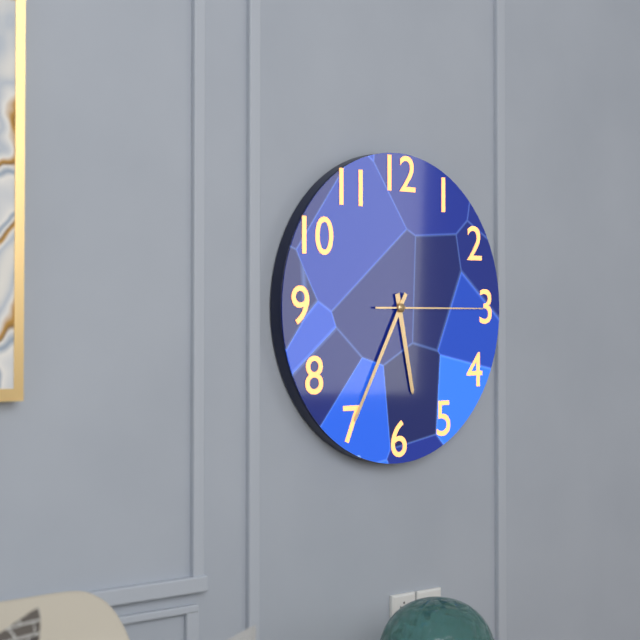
5:35:15
